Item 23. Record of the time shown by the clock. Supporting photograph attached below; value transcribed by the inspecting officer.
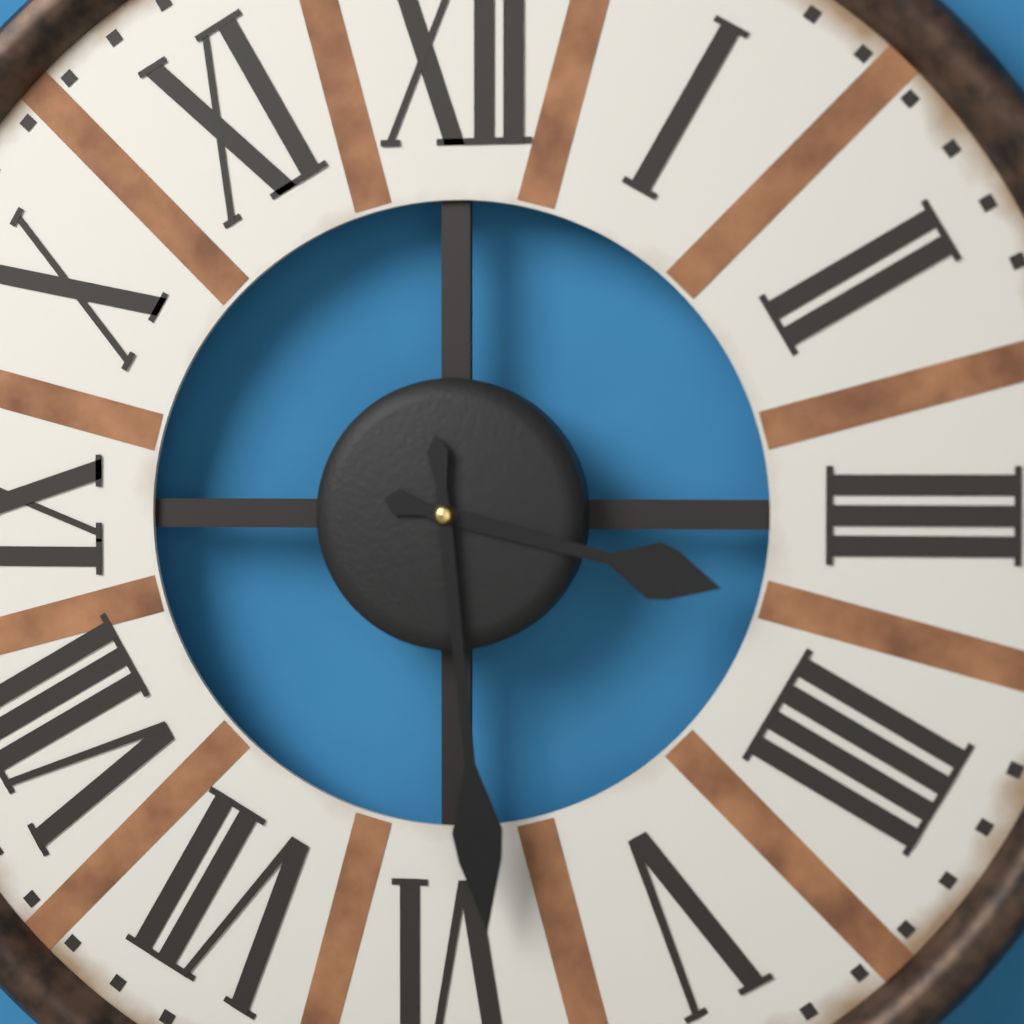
3:29
